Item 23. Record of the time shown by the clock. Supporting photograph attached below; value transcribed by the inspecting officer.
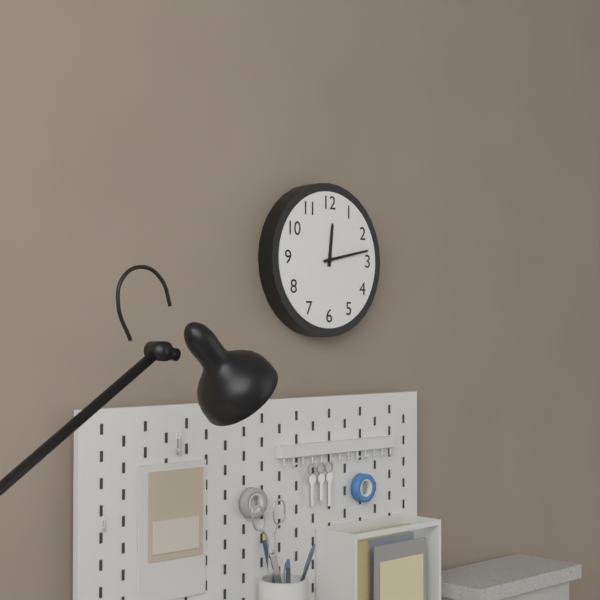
12:13
